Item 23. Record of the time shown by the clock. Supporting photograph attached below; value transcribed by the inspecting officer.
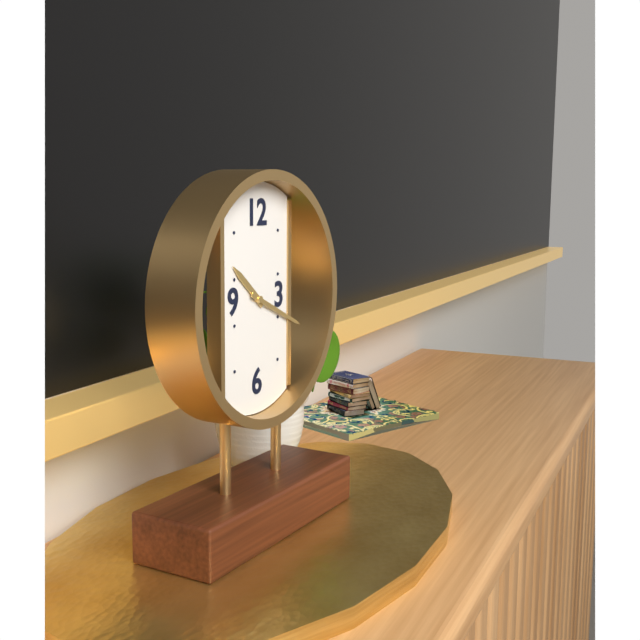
10:19
